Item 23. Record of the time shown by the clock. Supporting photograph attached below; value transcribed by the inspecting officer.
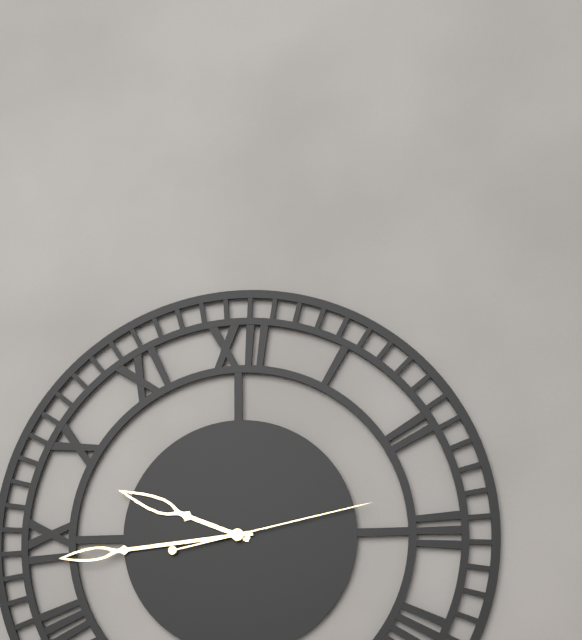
9:44:13
